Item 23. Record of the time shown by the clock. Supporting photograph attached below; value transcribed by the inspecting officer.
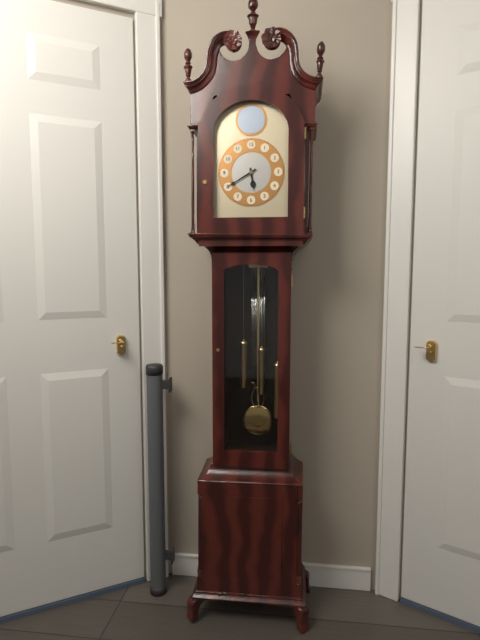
5:40
